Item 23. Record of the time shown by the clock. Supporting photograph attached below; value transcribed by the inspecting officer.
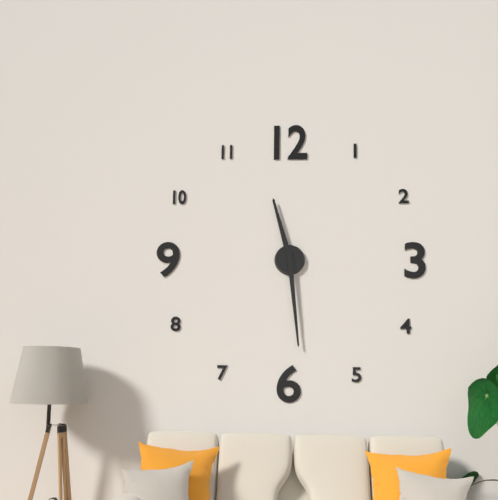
11:29
